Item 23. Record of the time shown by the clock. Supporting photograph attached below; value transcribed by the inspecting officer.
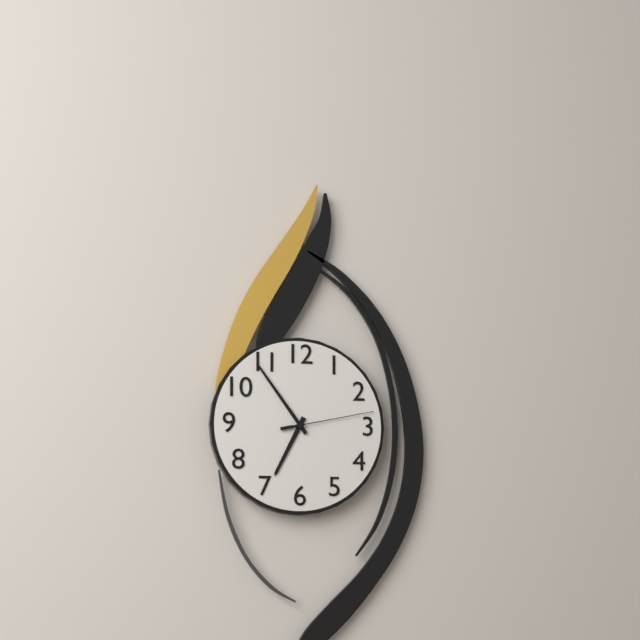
6:54:13
